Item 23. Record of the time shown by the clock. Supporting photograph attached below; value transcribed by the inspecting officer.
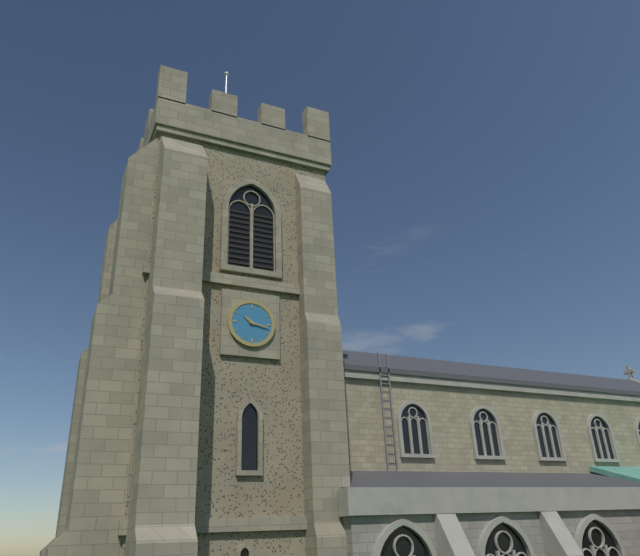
10:17
